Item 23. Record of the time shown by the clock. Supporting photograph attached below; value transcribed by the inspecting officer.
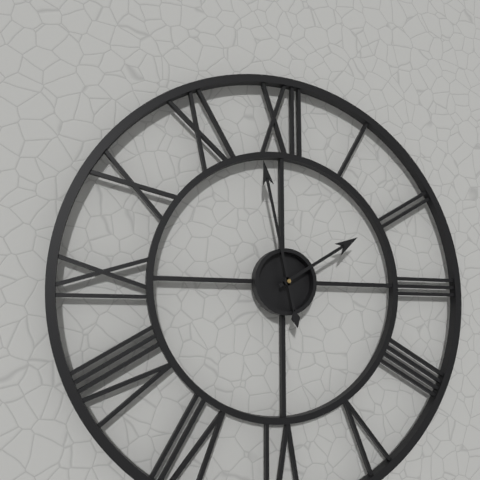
1:58
